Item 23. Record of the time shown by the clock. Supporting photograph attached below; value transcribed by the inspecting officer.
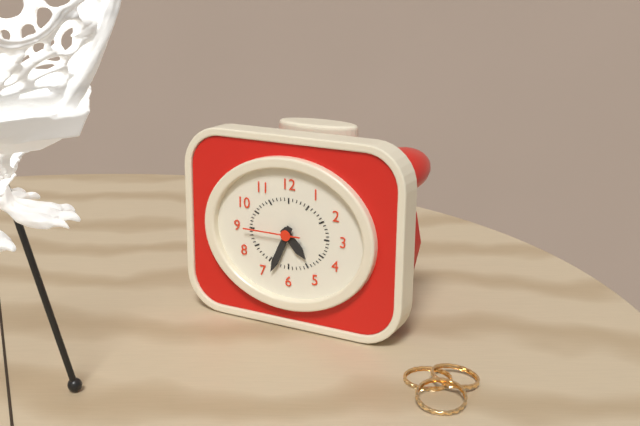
4:34:45
